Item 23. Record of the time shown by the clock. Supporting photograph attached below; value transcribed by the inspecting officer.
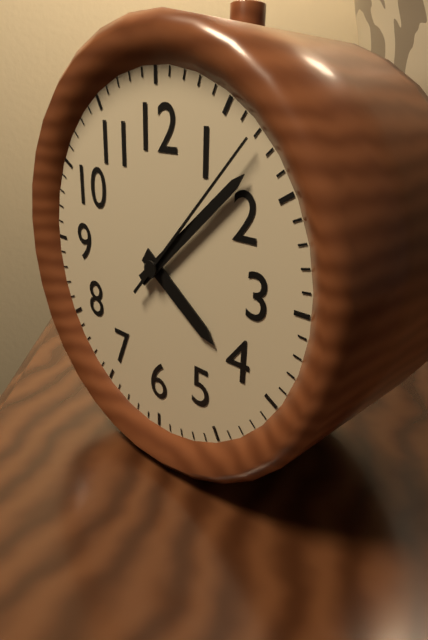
4:08:07
